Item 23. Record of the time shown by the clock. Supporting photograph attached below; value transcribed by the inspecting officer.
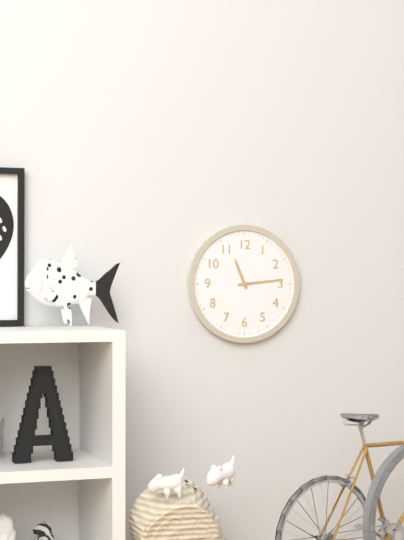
11:14
